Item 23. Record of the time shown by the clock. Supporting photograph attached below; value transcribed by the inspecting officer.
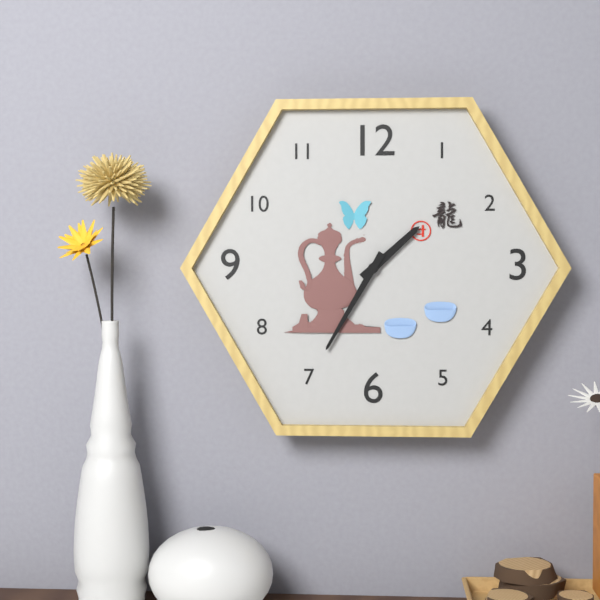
1:35
